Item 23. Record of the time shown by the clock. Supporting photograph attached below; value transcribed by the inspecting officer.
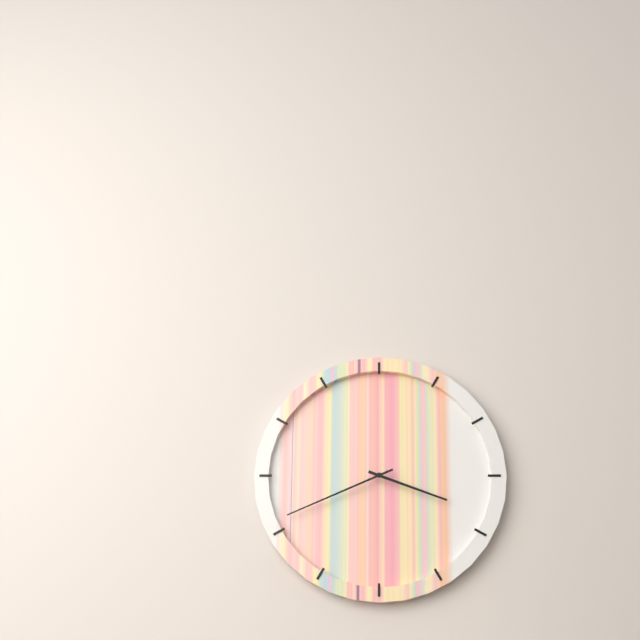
3:41
